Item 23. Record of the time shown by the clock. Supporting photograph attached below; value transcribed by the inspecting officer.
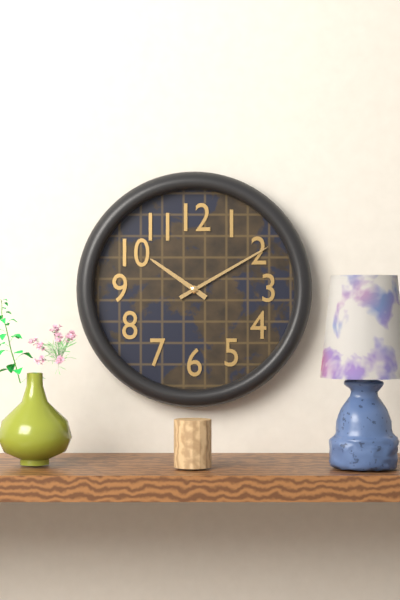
10:10
